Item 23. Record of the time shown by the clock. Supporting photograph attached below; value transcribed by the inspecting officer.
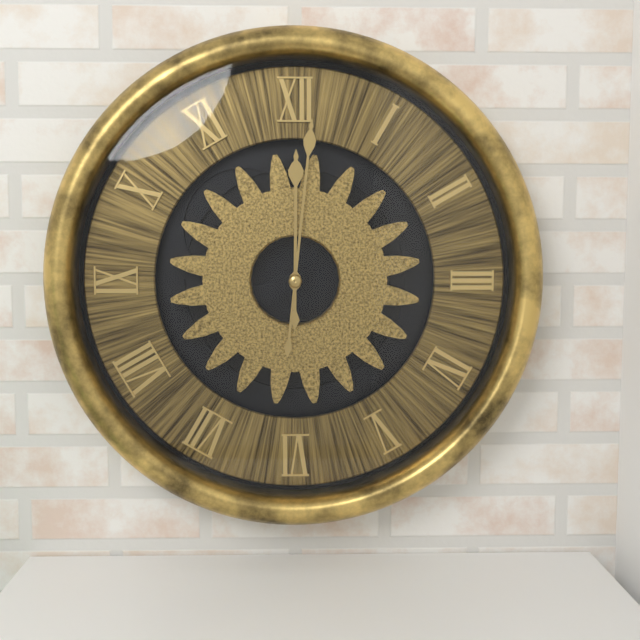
12:01
